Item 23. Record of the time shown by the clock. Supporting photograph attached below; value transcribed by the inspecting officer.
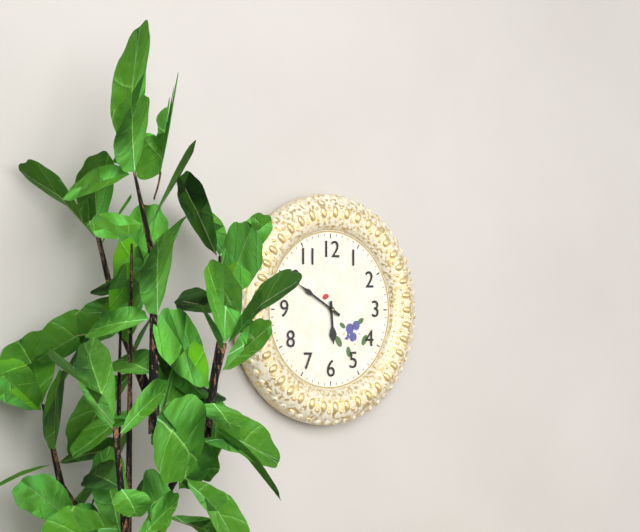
5:50
